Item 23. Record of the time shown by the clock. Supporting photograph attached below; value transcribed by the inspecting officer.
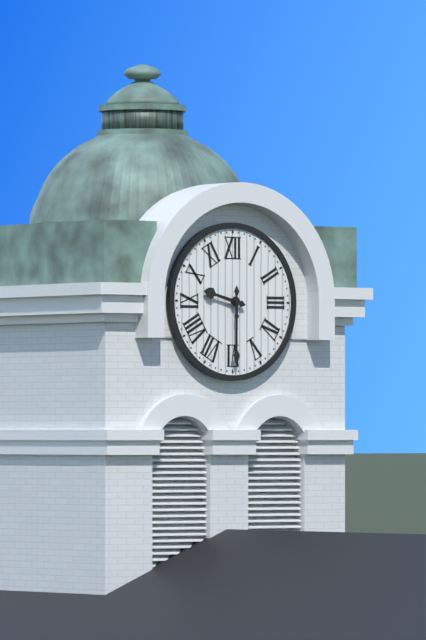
9:30
